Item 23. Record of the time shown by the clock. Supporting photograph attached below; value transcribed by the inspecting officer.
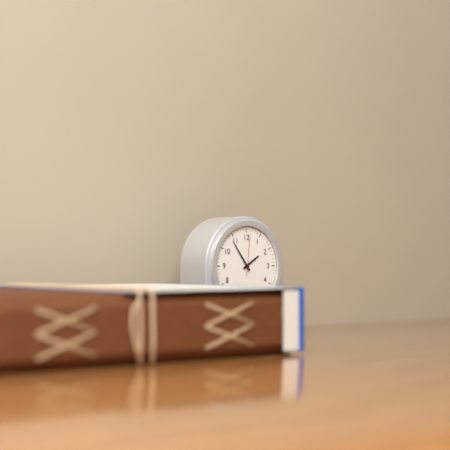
1:54
